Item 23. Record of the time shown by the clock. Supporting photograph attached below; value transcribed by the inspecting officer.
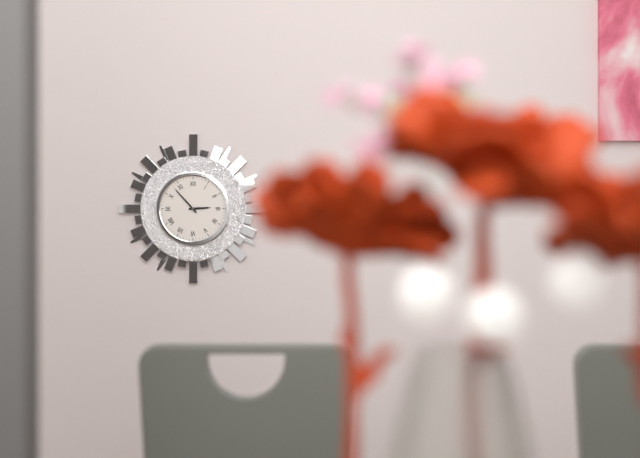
2:53
